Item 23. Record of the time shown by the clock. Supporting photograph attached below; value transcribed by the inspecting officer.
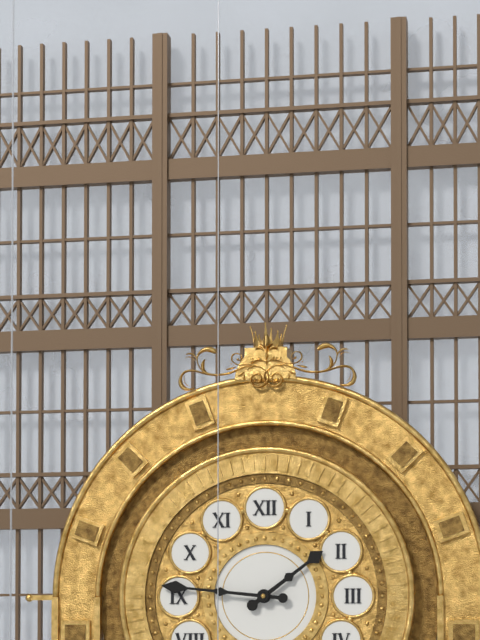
1:46
